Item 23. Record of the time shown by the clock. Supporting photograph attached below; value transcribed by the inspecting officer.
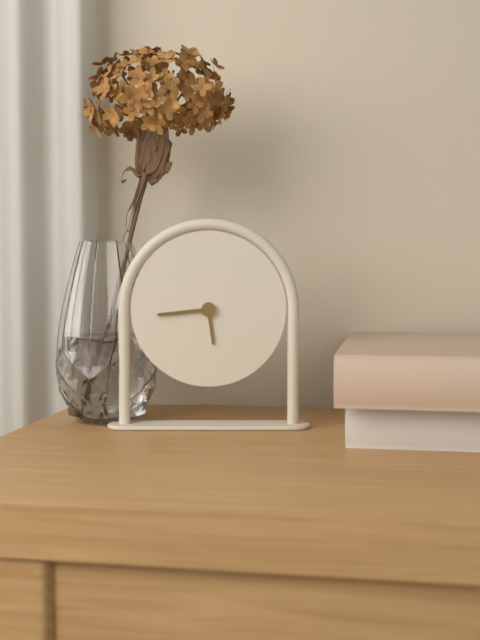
5:44
